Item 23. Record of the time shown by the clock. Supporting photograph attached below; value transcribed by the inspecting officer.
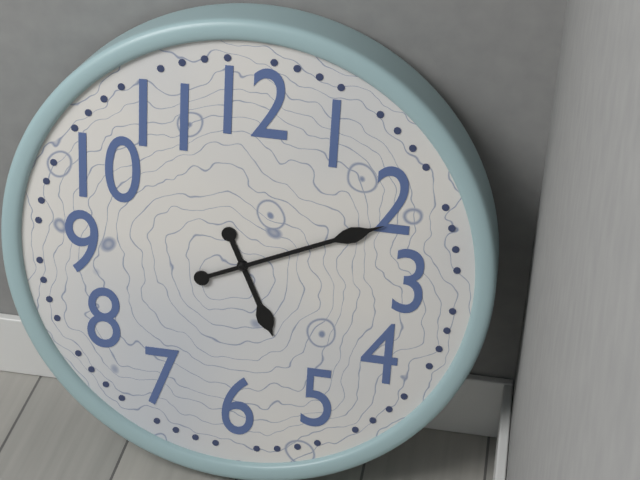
5:11
